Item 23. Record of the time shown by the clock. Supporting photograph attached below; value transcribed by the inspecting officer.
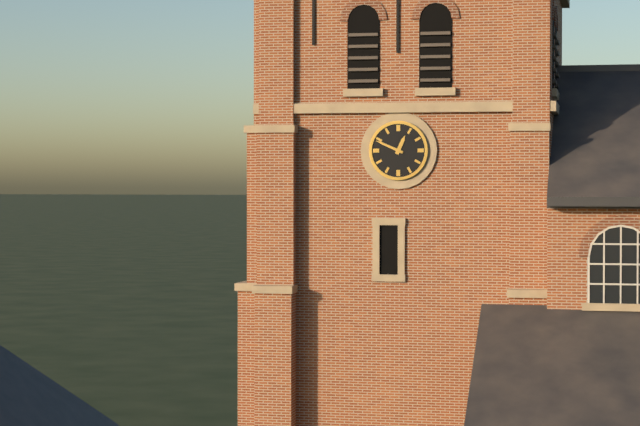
12:49
